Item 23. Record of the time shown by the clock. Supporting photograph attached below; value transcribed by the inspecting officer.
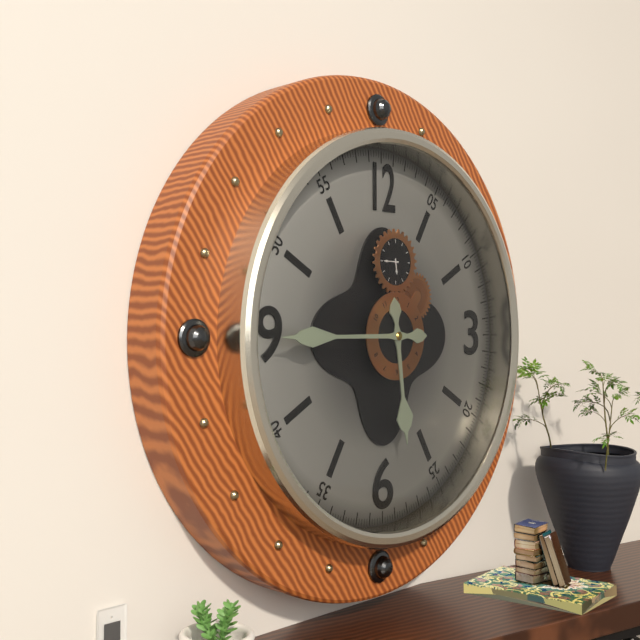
5:45
